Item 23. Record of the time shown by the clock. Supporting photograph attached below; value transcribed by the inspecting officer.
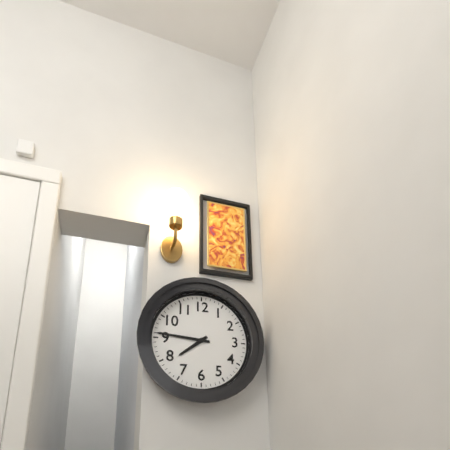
7:46
